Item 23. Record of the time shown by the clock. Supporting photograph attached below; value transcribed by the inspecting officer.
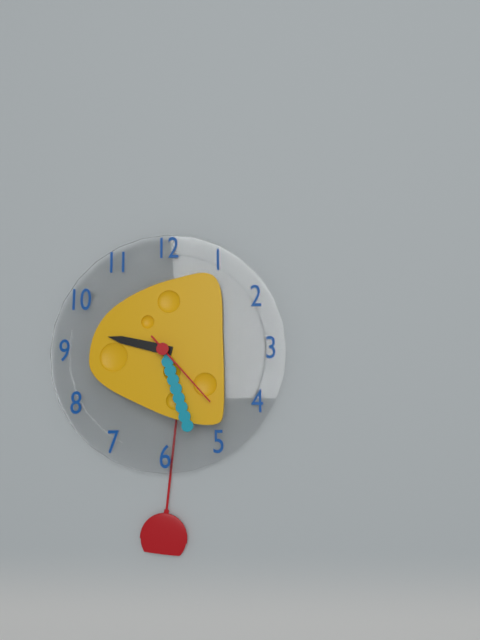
9:27:23
